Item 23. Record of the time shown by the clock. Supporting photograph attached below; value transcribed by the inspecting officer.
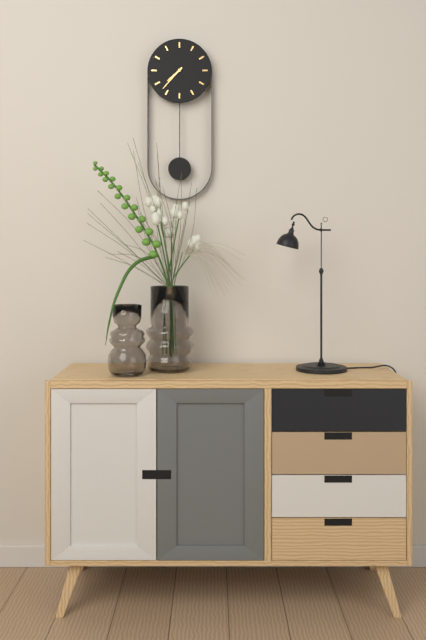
7:37
